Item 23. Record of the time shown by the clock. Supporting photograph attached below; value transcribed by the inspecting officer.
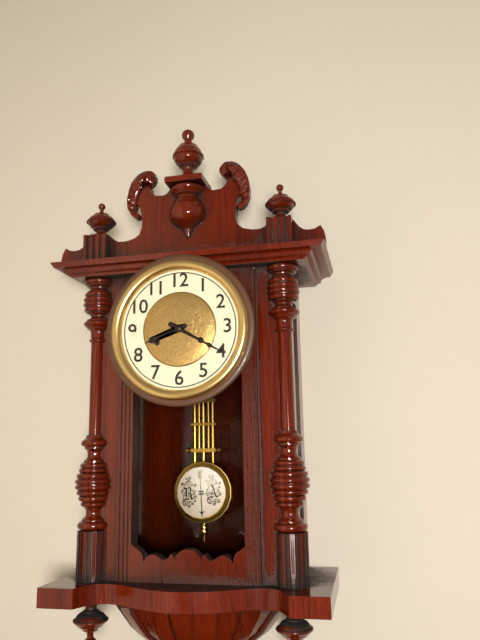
8:20
